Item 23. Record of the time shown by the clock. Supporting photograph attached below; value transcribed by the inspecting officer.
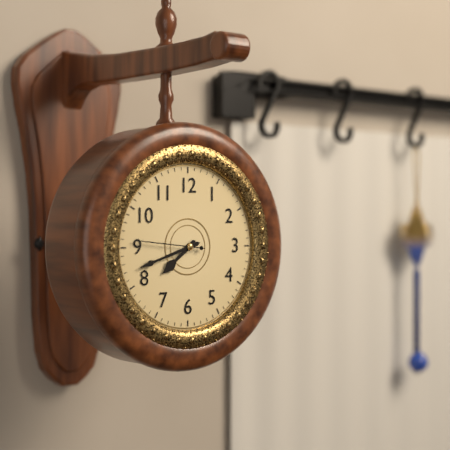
7:42:46
